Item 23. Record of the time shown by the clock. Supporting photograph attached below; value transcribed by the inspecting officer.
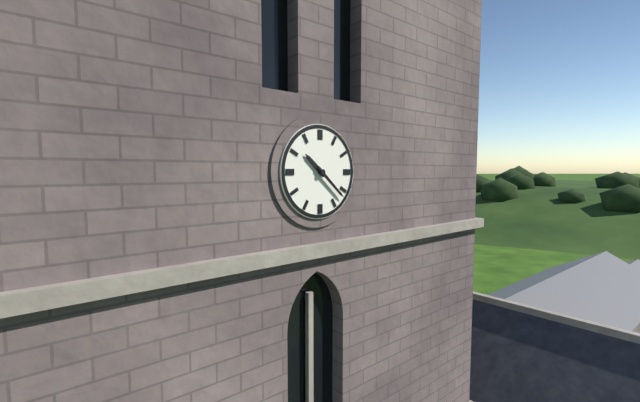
10:22
